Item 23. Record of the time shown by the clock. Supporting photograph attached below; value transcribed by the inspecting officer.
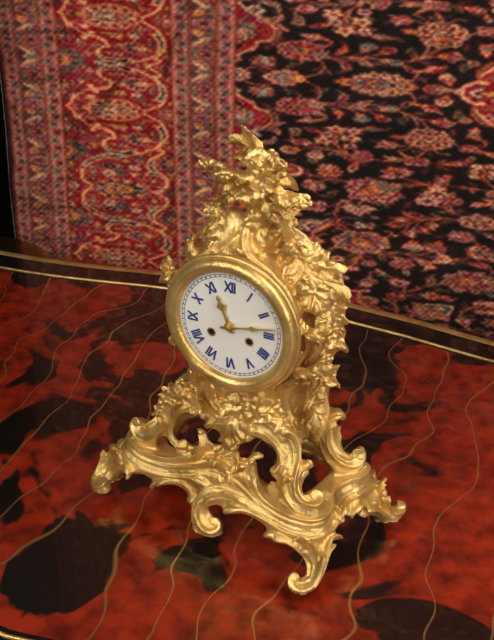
11:13
